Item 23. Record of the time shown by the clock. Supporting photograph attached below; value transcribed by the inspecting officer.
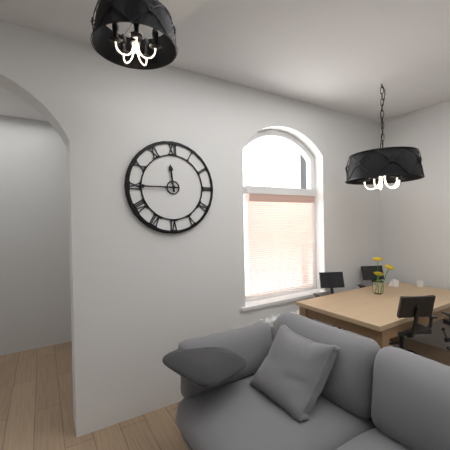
11:45
